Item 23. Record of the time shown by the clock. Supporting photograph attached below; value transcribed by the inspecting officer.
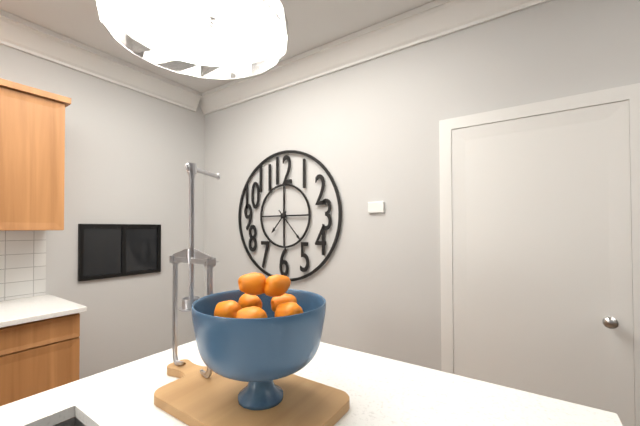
7:23
